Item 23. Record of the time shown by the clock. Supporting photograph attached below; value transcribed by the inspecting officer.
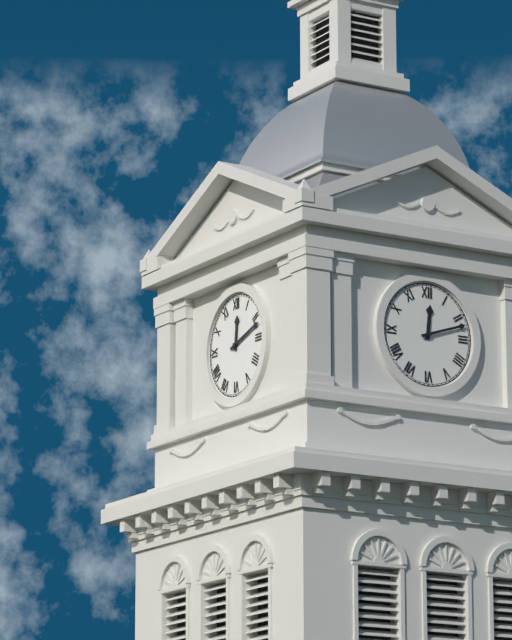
12:12
